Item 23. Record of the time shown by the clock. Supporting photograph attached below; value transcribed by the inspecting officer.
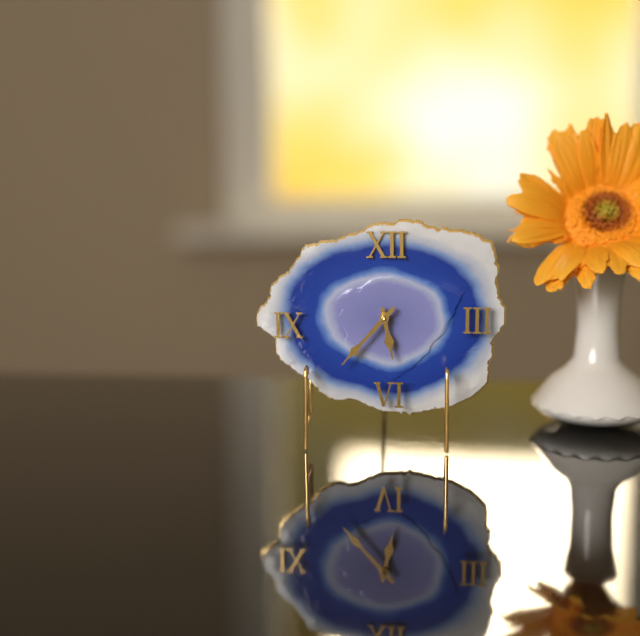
5:37
